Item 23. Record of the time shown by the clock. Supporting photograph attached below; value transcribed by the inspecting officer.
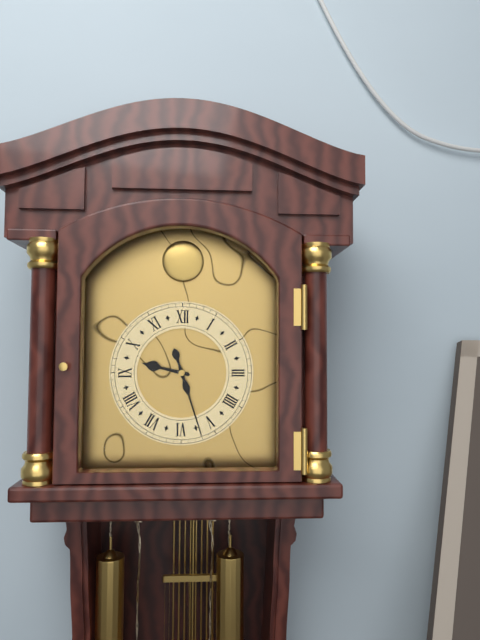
9:27
